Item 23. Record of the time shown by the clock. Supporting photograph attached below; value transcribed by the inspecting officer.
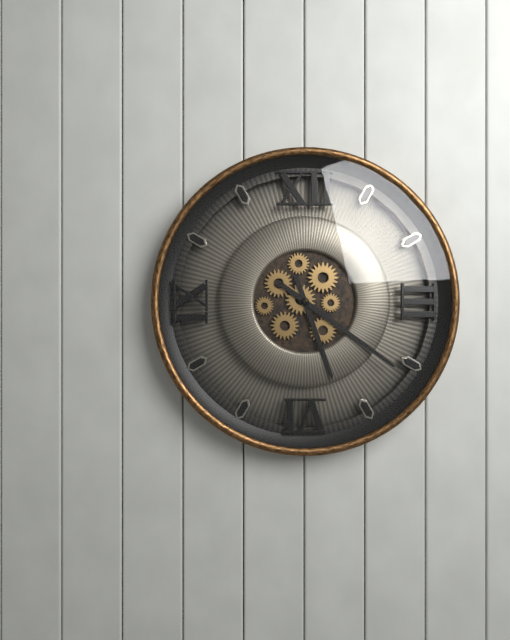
5:21
